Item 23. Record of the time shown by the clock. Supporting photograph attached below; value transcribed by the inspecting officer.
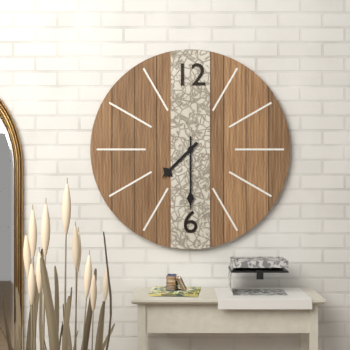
7:30
